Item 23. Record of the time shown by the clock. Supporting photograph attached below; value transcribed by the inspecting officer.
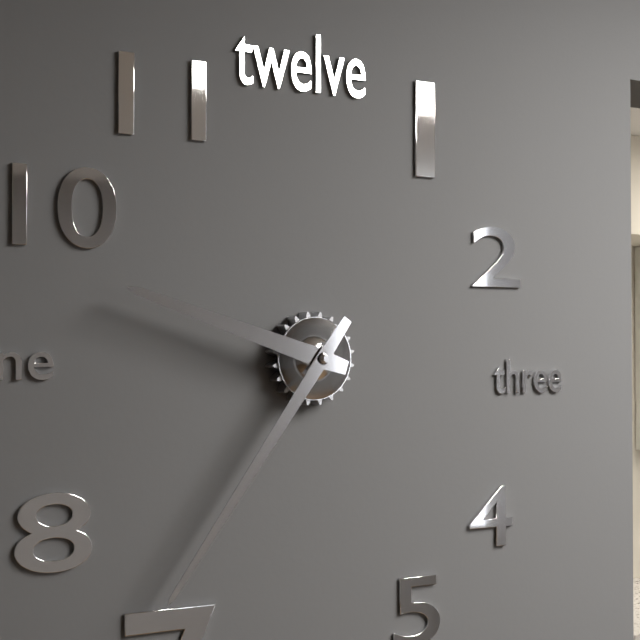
9:36
